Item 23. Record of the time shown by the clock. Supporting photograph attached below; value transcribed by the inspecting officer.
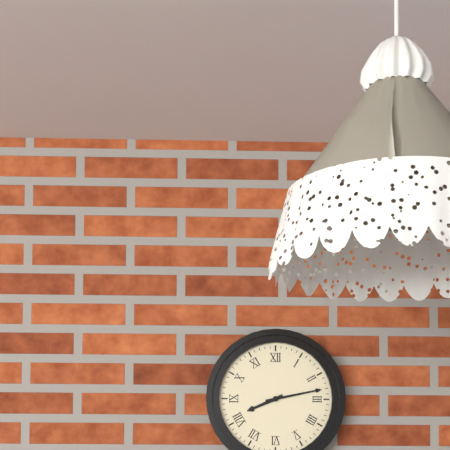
8:13
